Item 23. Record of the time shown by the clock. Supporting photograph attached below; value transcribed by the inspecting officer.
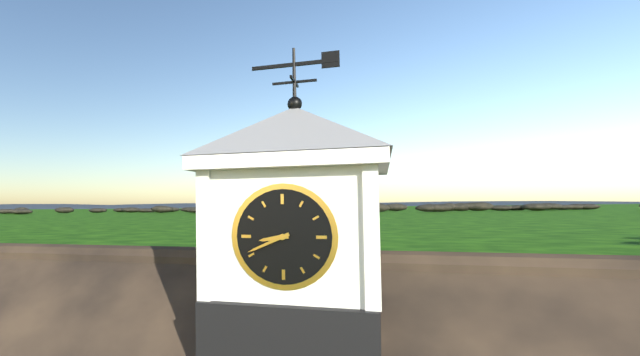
8:41
